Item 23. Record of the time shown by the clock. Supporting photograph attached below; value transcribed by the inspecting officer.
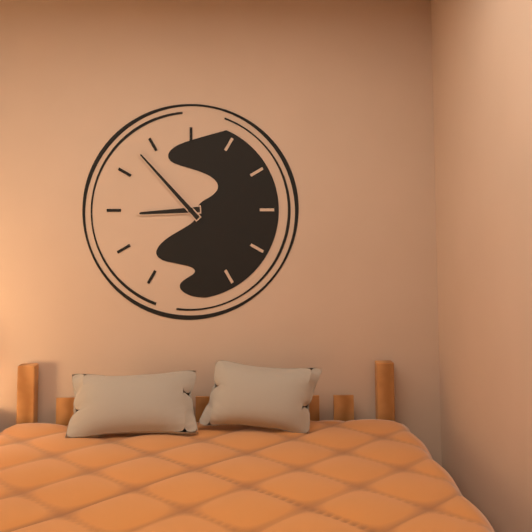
8:53
